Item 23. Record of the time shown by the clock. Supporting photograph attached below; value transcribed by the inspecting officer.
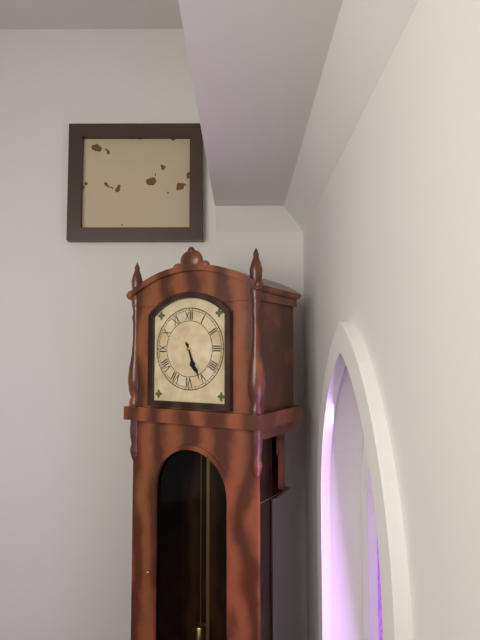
5:26
